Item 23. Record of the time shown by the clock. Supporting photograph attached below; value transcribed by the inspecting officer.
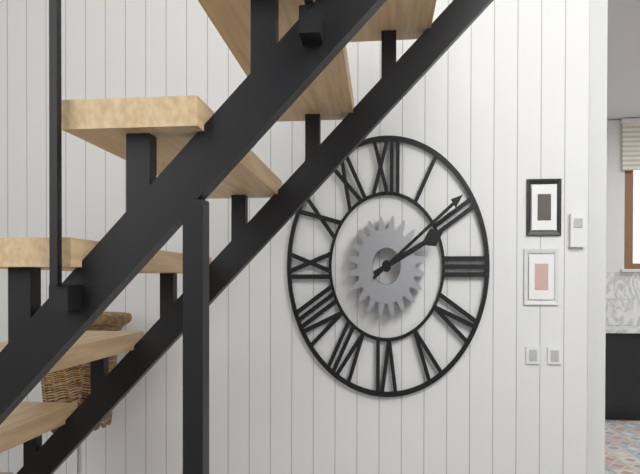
2:09
